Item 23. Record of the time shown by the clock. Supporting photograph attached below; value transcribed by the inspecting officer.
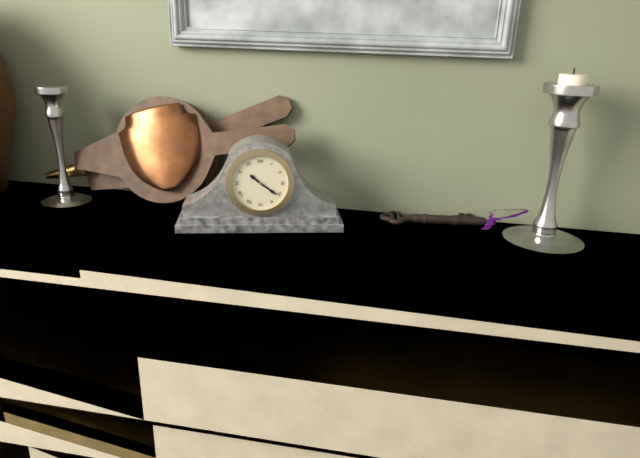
10:21
